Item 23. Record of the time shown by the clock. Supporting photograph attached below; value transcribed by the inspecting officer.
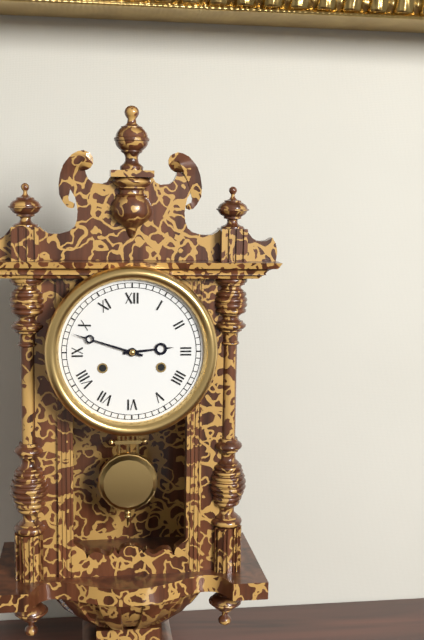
2:48
